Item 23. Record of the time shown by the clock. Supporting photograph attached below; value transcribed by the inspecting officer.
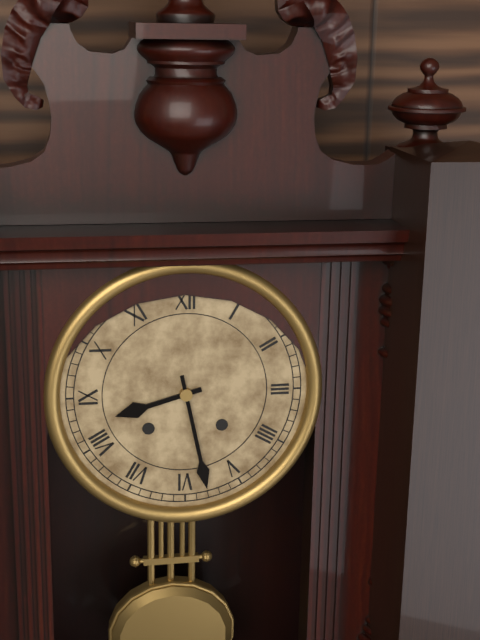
8:28
